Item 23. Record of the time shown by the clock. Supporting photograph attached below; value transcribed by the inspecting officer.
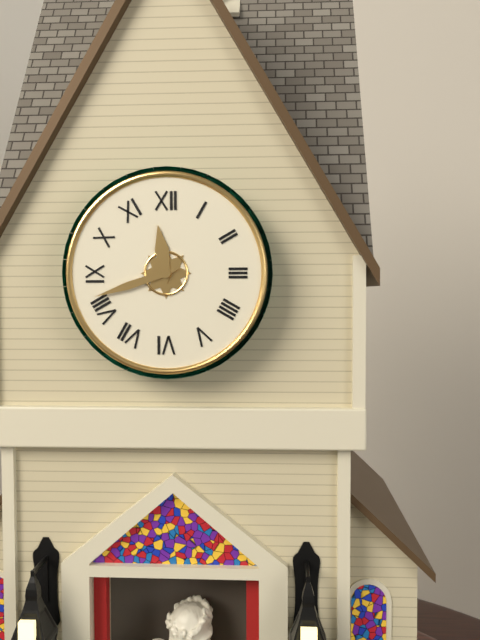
11:42
